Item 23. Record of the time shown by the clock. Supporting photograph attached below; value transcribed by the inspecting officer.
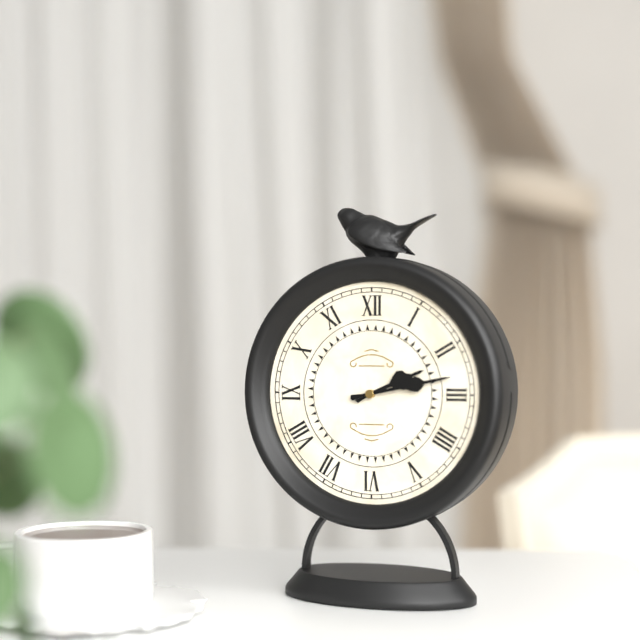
2:13
